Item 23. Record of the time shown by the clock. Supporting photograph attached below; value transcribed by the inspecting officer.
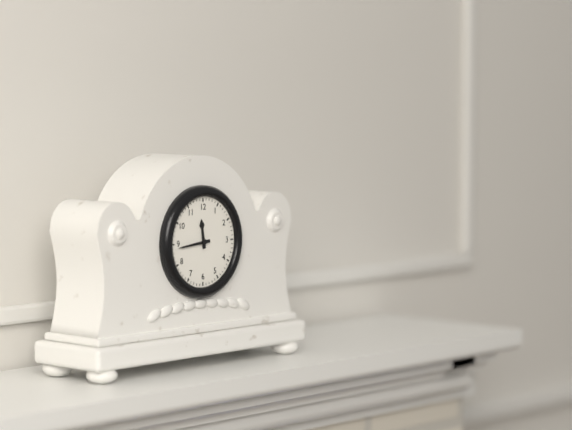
11:44
